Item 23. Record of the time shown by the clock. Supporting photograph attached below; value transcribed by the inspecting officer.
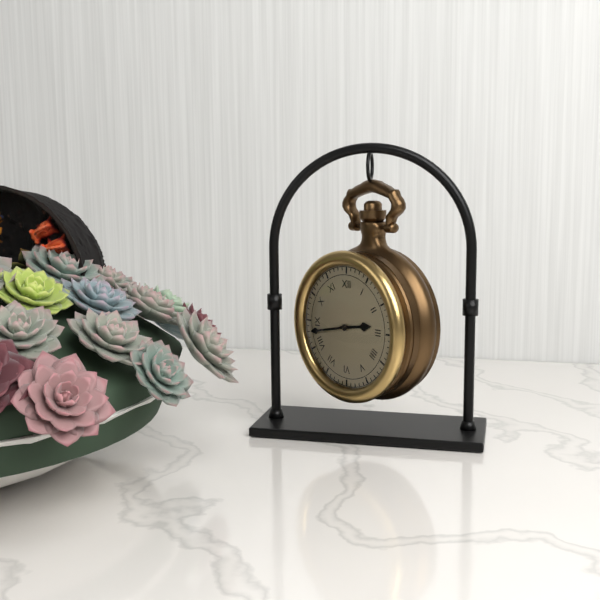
2:43
